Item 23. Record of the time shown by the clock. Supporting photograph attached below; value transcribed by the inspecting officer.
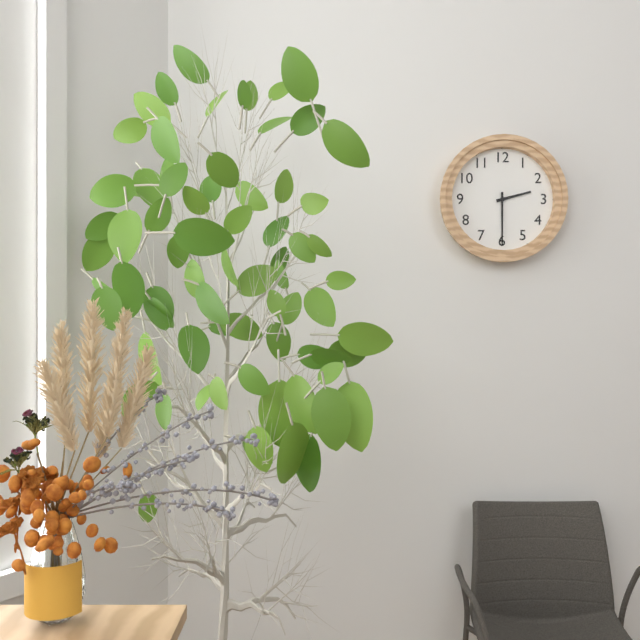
2:30
